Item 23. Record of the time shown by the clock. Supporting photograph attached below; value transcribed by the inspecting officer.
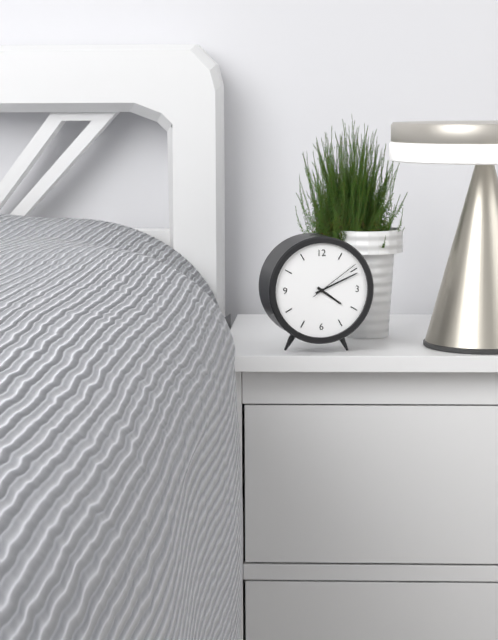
4:11:09
